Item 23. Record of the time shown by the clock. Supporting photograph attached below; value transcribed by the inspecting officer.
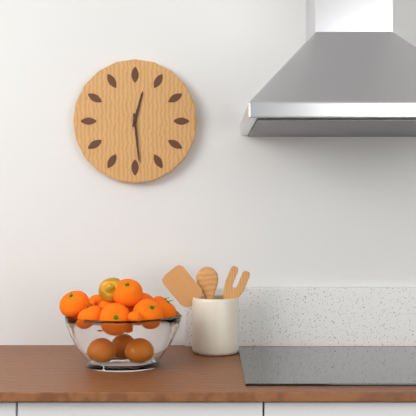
12:29
